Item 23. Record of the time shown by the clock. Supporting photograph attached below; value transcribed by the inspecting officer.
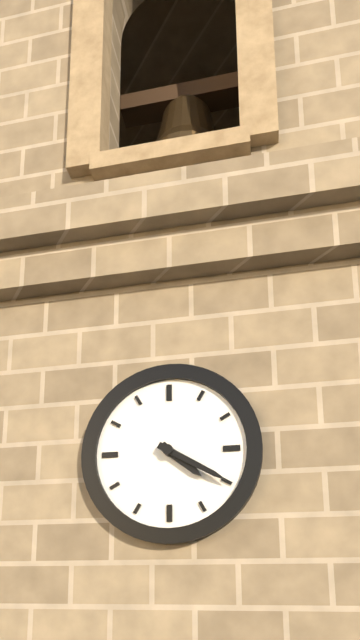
4:20
